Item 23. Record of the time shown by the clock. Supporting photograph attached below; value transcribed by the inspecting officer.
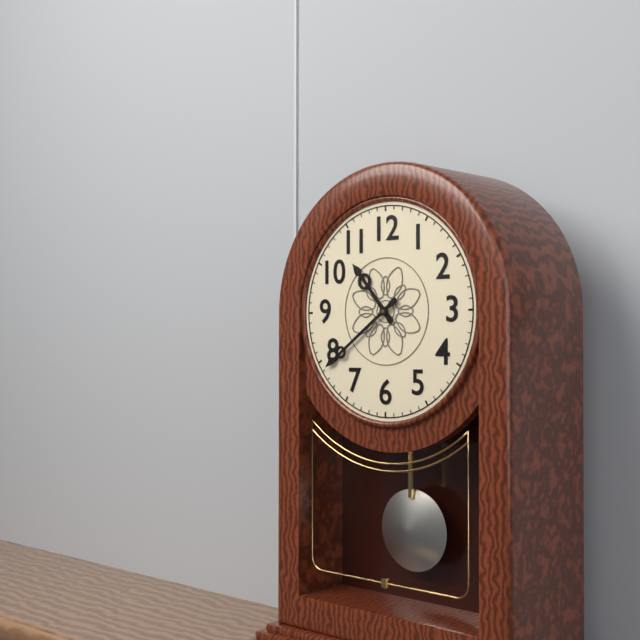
10:39
